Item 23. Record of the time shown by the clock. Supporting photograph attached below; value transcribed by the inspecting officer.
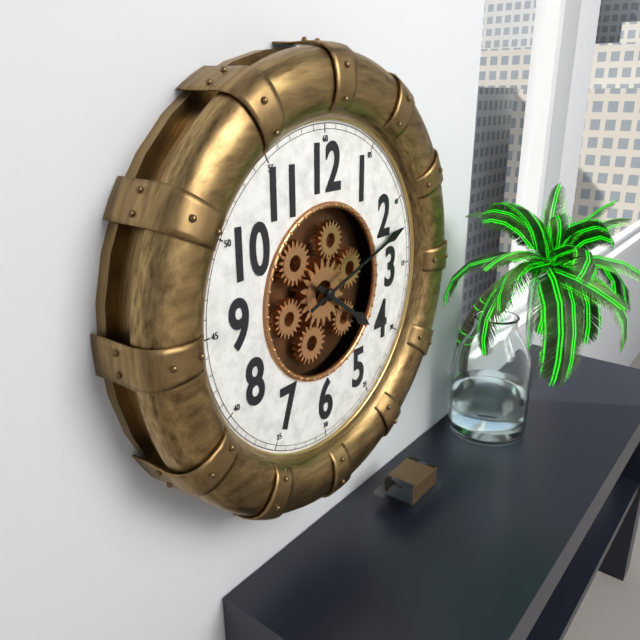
4:12
